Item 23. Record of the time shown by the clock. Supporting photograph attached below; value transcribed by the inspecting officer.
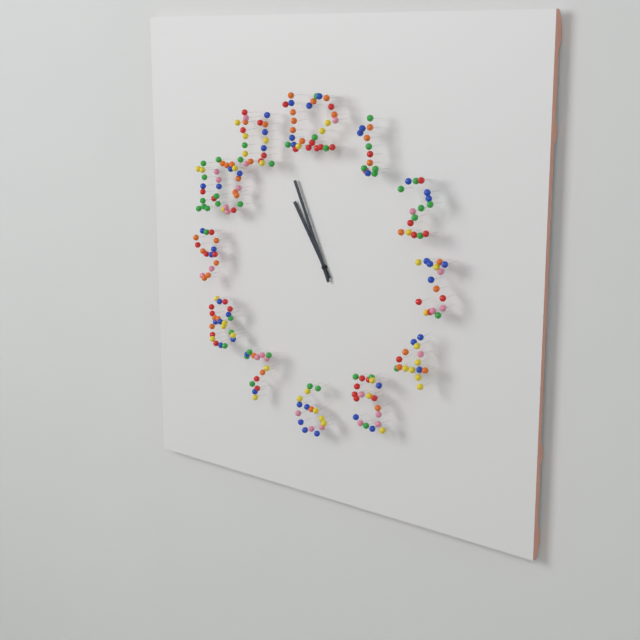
10:56
